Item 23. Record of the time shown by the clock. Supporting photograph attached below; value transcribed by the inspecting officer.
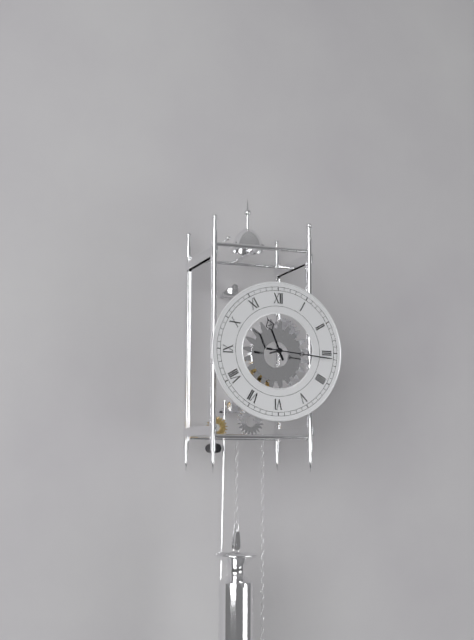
11:16
